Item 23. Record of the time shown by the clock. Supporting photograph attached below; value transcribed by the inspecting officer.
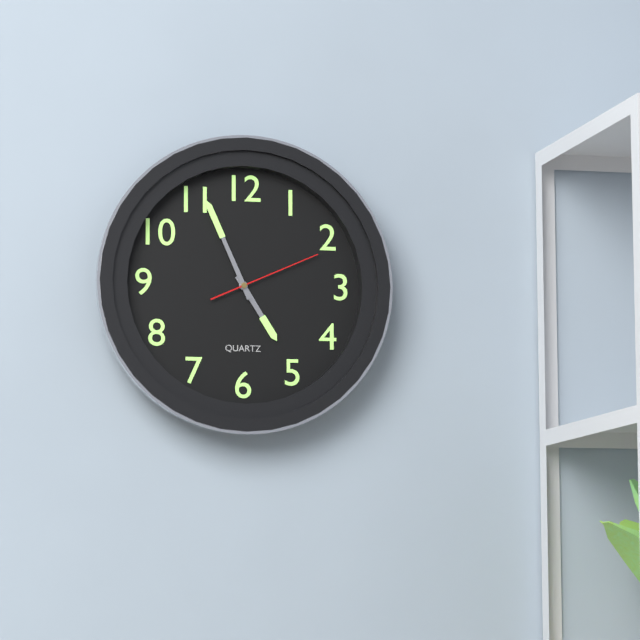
4:56:11
